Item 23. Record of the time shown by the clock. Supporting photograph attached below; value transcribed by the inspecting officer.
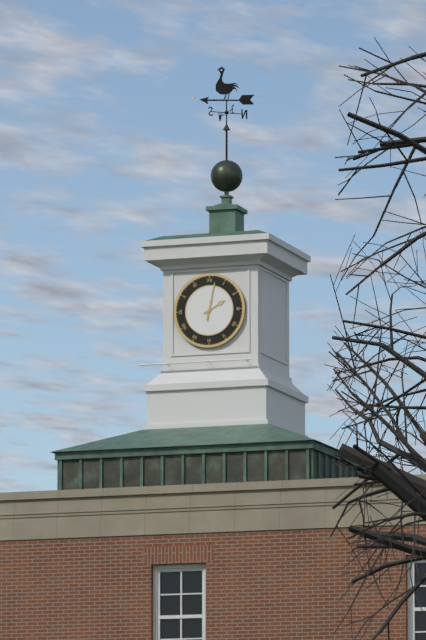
2:02
